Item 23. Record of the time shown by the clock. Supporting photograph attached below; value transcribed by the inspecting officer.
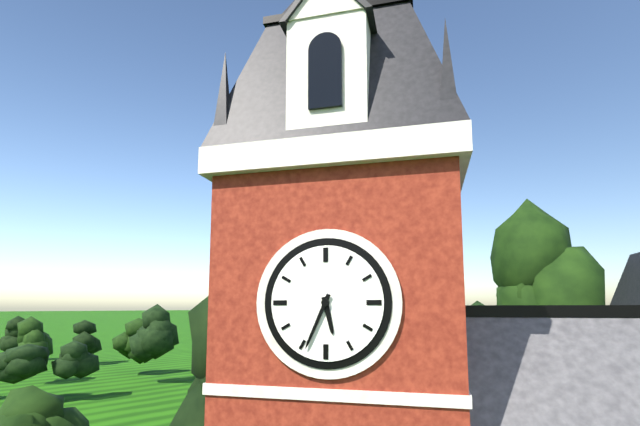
5:34
